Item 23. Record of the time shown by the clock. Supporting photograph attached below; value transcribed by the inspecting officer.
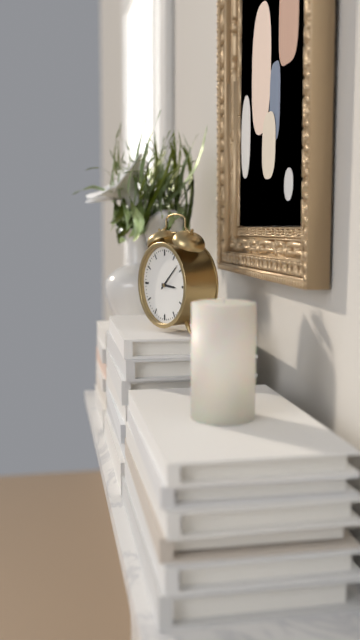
3:08
